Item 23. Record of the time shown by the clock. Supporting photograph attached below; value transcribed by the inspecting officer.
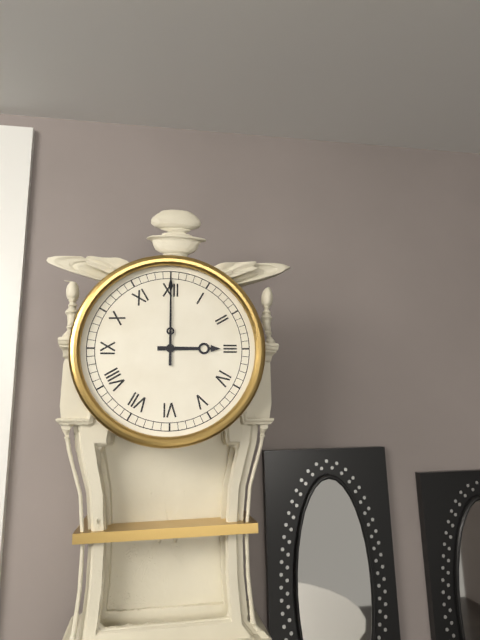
3:00
